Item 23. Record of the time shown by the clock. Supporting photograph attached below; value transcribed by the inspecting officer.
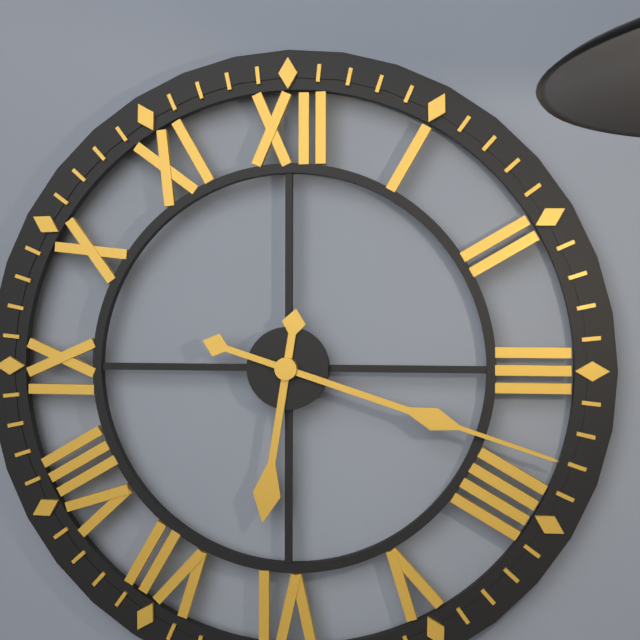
6:18
